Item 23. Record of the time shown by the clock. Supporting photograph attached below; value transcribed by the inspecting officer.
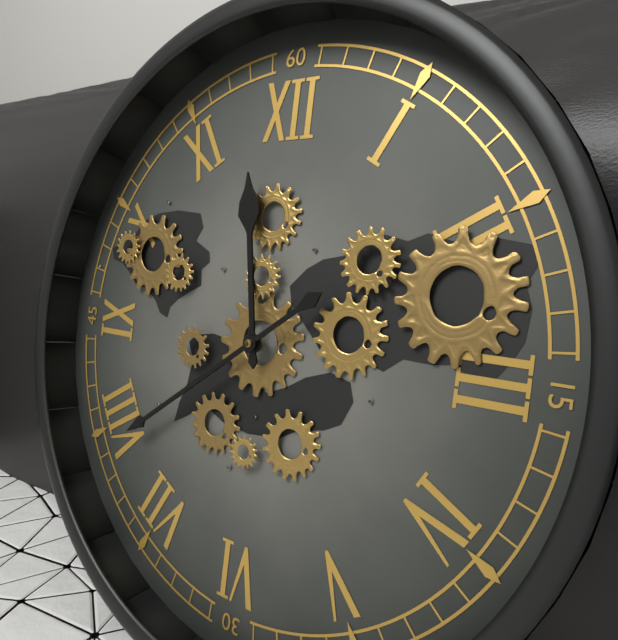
11:39
